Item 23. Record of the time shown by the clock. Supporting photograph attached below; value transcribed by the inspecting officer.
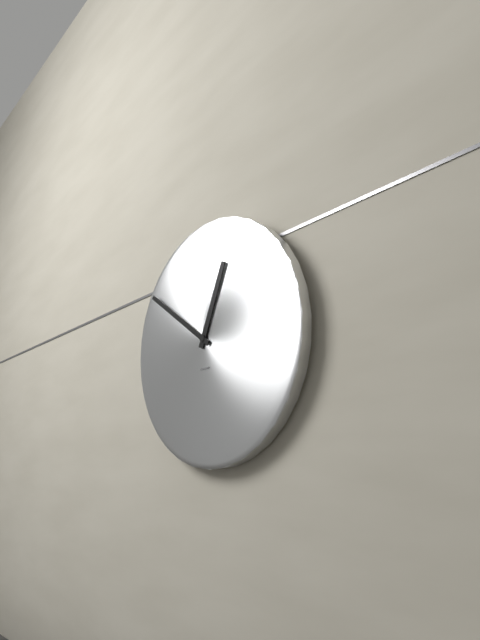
12:51
